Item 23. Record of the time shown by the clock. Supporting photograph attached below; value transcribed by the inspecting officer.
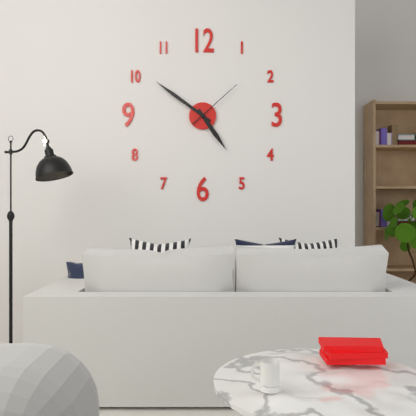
4:51:08
